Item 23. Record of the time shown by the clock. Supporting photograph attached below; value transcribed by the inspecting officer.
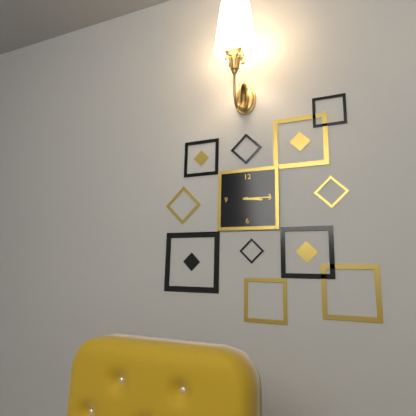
3:15
